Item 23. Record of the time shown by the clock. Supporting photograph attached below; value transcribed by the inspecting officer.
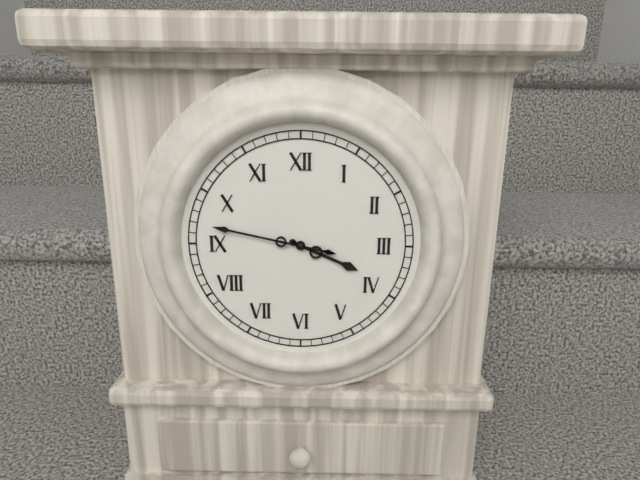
3:47
